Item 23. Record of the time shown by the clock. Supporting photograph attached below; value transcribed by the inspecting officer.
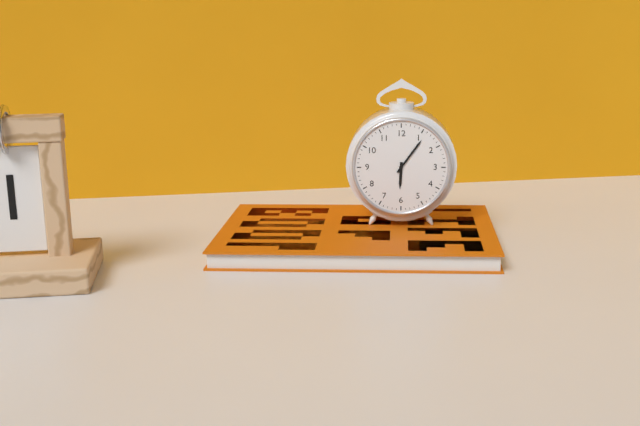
6:06
